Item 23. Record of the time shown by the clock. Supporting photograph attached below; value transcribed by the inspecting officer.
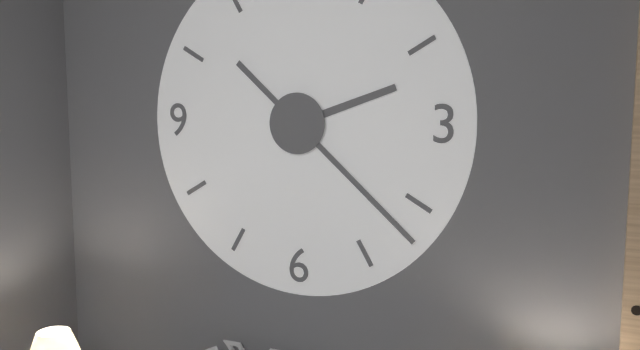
2:22
